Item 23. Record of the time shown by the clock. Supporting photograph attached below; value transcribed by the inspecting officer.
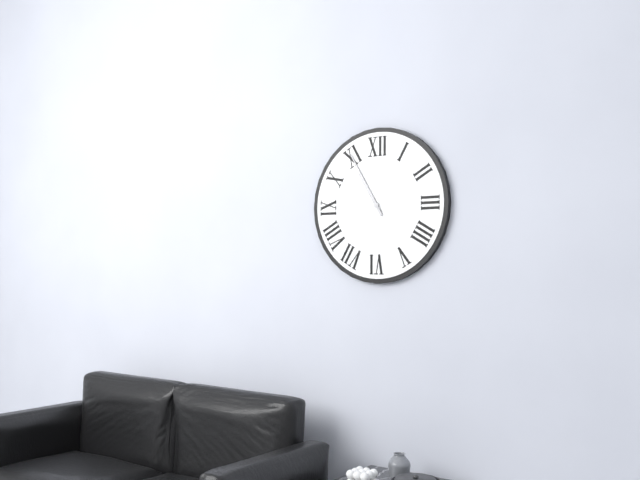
10:55
